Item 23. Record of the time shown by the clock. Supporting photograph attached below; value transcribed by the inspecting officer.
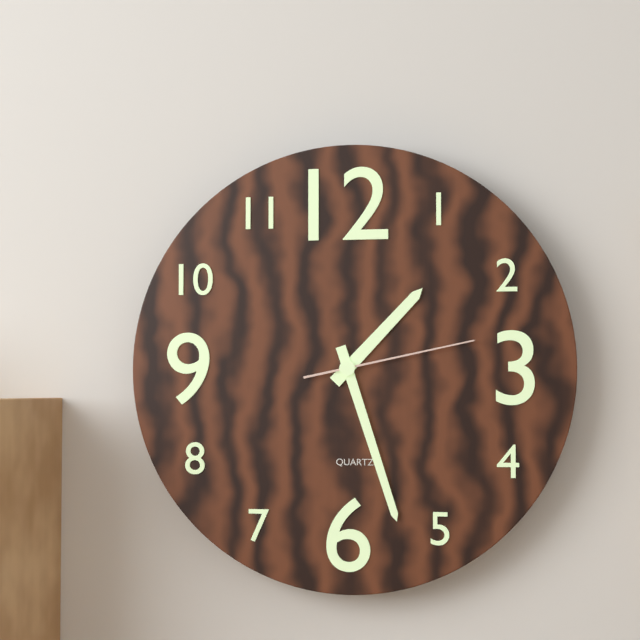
1:27:13
